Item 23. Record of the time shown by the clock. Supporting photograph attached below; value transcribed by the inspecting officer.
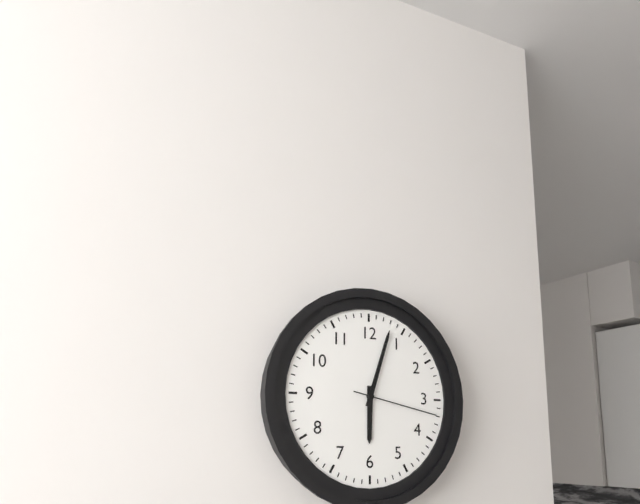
6:03:17
